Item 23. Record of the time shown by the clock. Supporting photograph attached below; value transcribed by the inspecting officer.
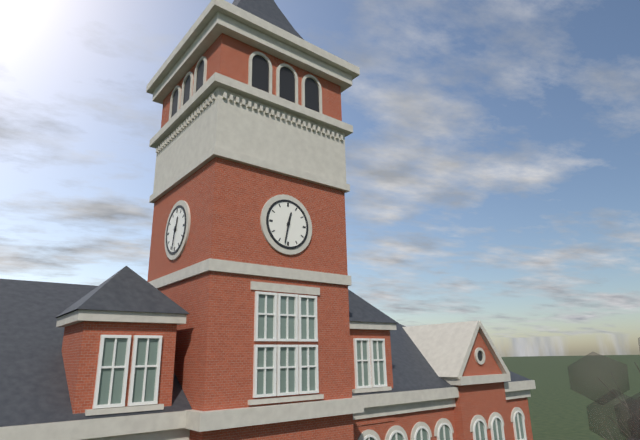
12:32
